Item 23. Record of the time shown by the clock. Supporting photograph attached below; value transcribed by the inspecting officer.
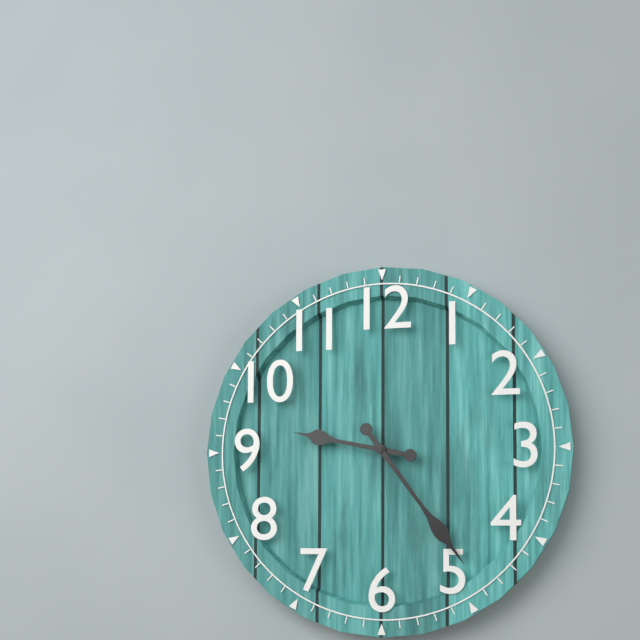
9:24
